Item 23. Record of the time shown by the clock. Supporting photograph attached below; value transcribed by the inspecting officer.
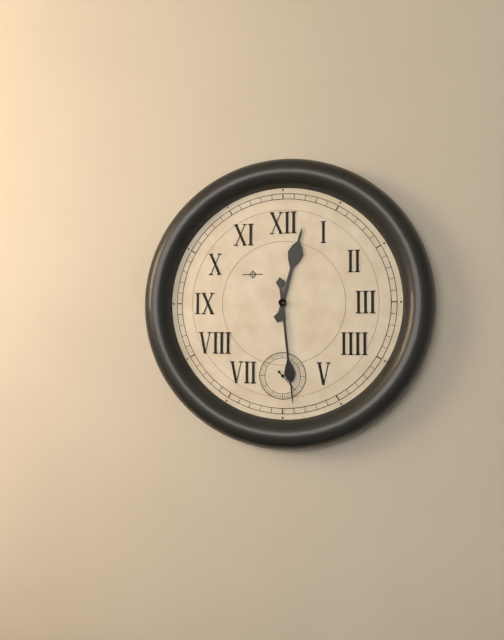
12:29
